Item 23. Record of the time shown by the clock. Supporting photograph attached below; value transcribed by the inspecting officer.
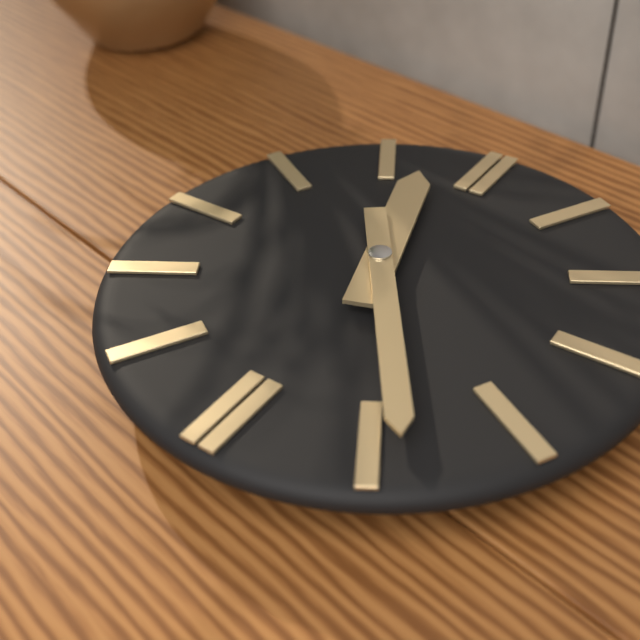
11:24
